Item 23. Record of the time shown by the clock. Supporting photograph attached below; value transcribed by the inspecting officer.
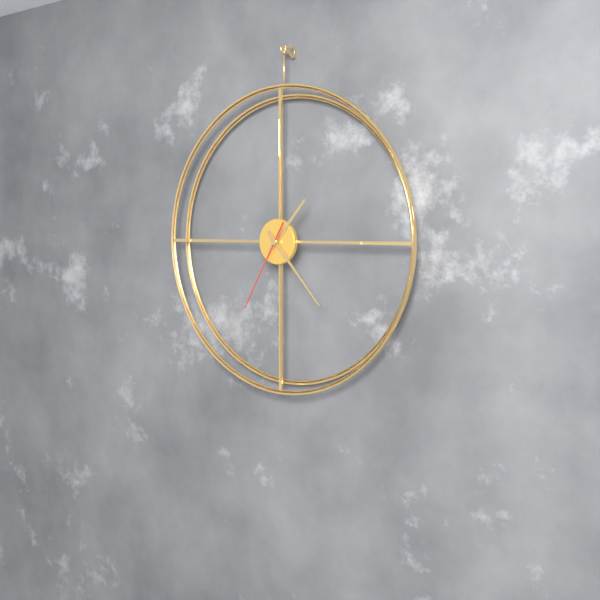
1:23:35
